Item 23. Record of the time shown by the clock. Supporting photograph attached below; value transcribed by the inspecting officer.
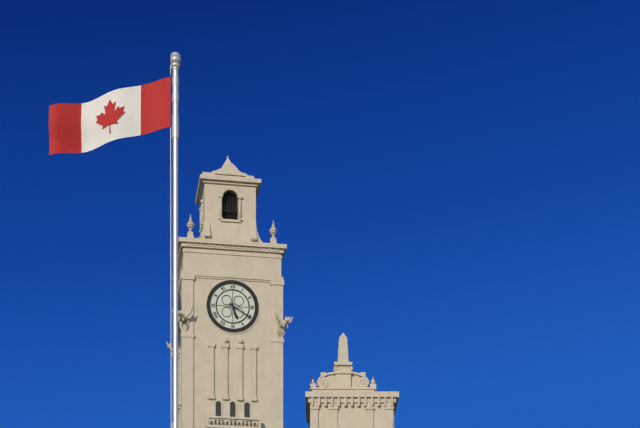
5:20
